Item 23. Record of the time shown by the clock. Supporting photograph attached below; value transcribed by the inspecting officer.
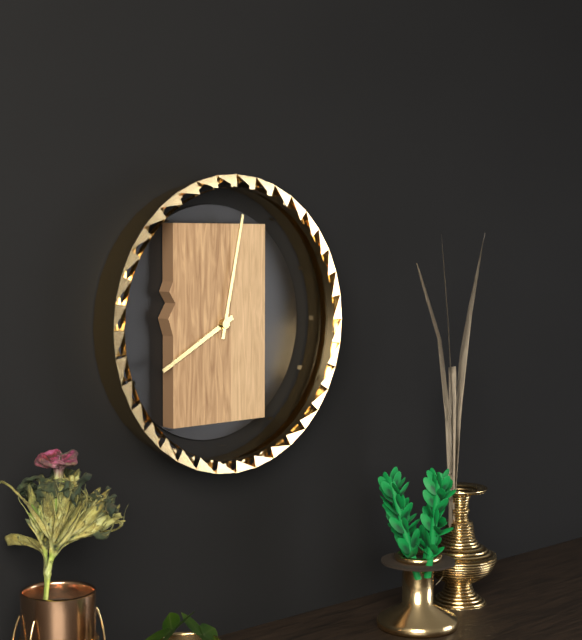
8:02
